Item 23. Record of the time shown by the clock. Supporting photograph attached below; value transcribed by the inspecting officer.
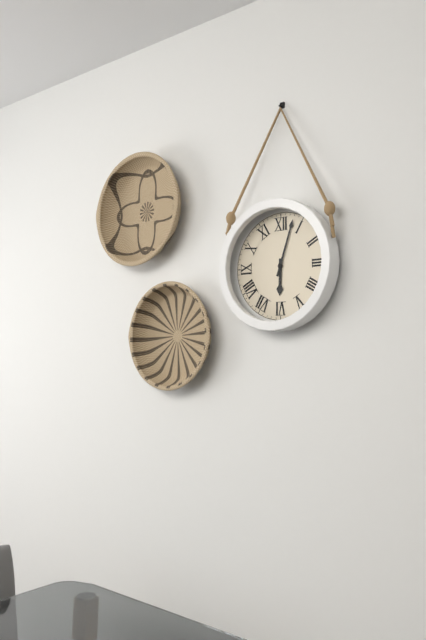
6:03
